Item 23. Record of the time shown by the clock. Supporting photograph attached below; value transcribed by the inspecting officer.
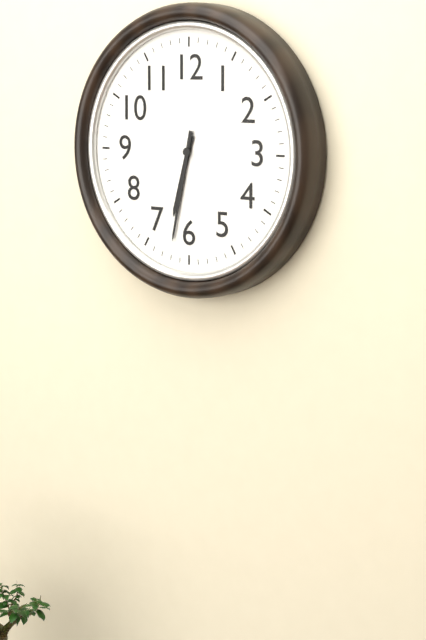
6:32
